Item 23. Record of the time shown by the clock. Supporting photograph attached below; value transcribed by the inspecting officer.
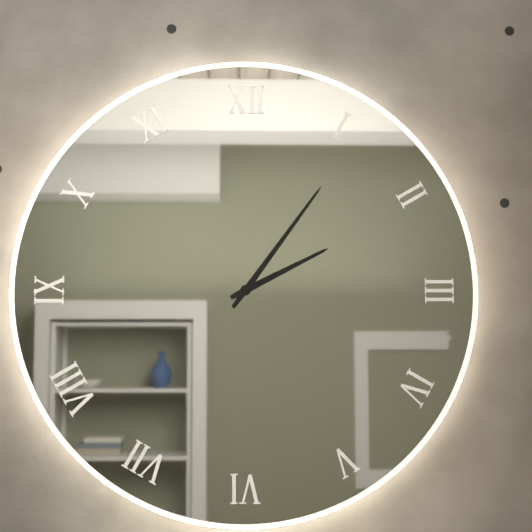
2:06
